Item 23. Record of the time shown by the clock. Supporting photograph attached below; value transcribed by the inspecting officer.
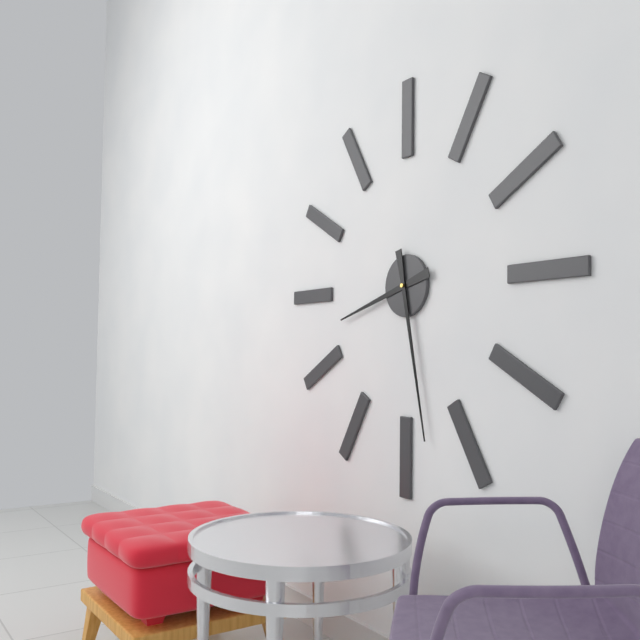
8:28
